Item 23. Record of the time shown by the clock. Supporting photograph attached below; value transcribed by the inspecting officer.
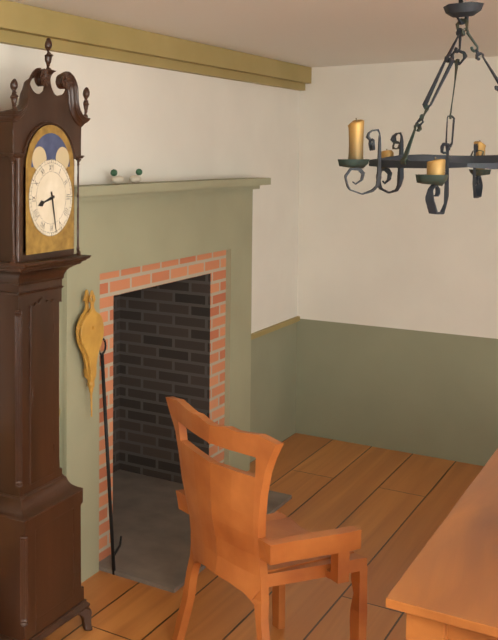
8:28
